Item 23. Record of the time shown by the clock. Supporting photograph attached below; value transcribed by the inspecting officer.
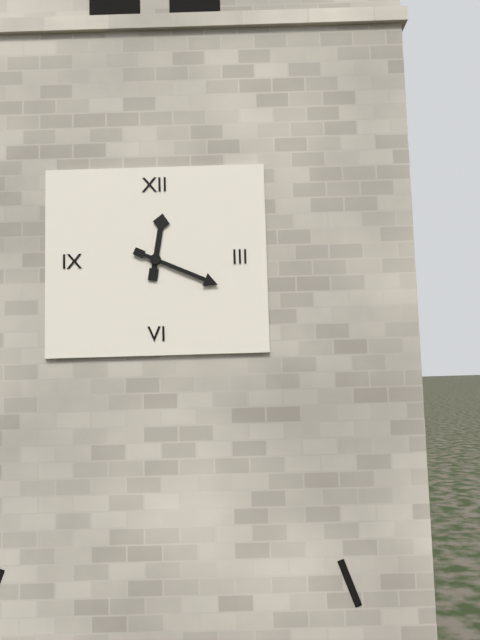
12:19
